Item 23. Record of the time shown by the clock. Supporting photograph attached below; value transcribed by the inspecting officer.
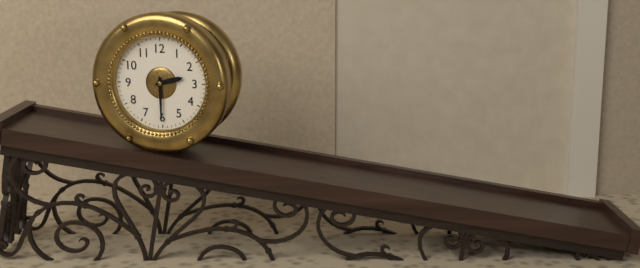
2:30
